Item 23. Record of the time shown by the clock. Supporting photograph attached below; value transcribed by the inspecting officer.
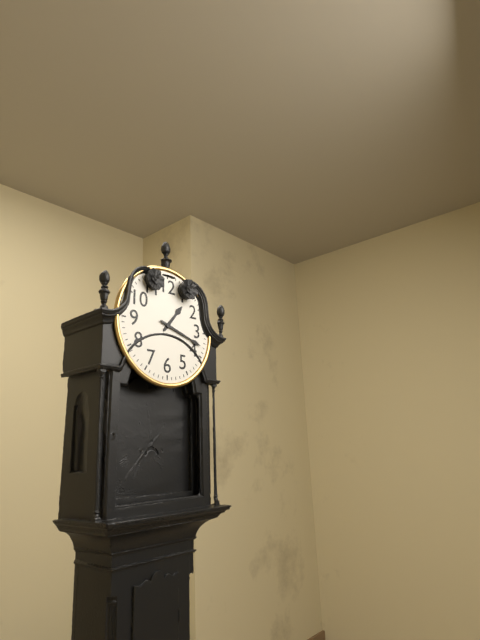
1:18
